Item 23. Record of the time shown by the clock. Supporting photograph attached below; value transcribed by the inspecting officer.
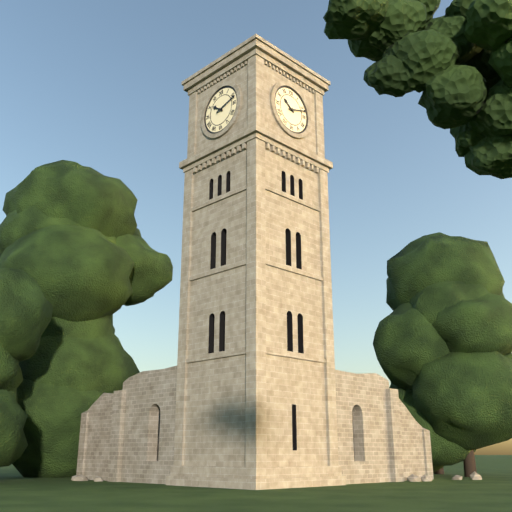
10:12
